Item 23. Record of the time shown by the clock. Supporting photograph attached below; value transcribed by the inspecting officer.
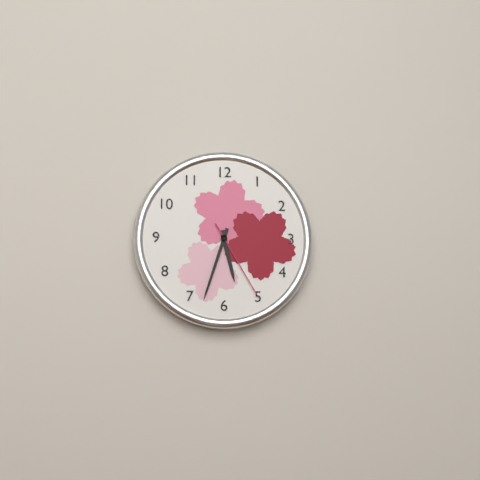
5:33:25
